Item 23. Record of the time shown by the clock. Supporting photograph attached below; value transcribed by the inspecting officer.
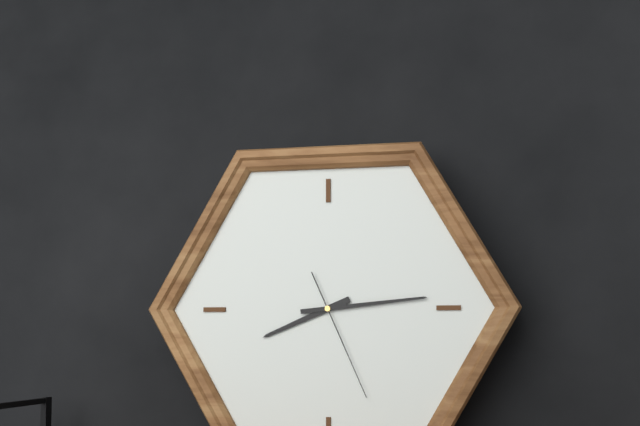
8:14:26
